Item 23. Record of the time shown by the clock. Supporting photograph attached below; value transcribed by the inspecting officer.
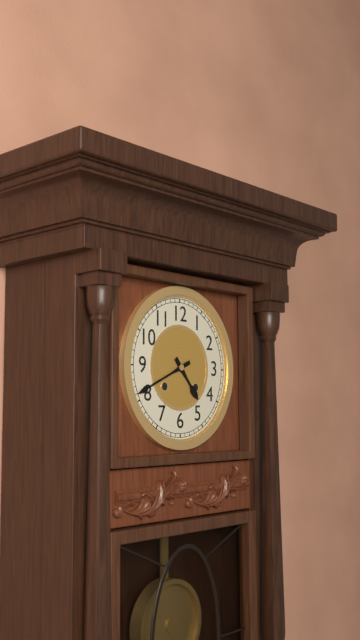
4:41
